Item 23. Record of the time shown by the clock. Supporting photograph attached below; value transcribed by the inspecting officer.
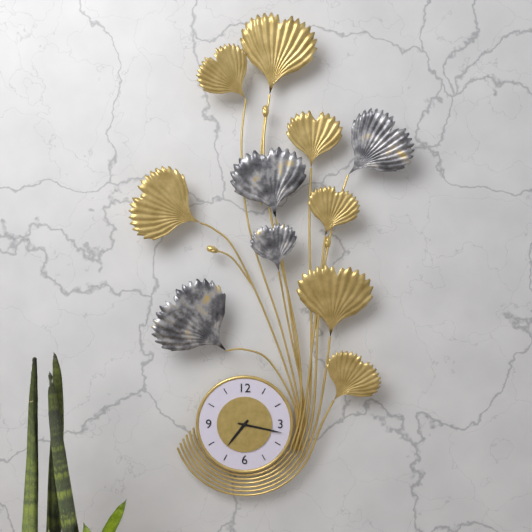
7:17
